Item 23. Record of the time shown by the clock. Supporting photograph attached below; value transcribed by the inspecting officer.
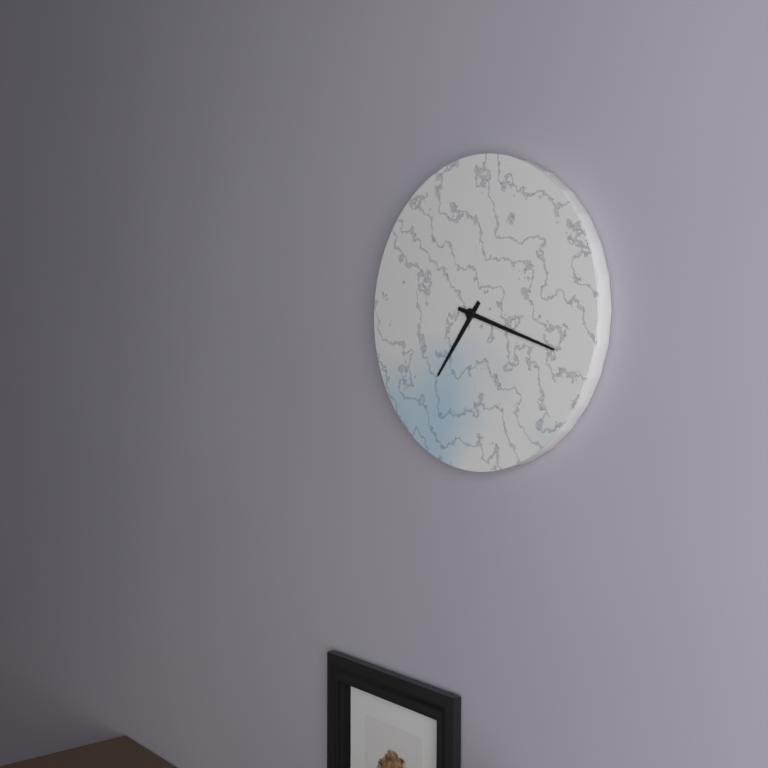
7:18
